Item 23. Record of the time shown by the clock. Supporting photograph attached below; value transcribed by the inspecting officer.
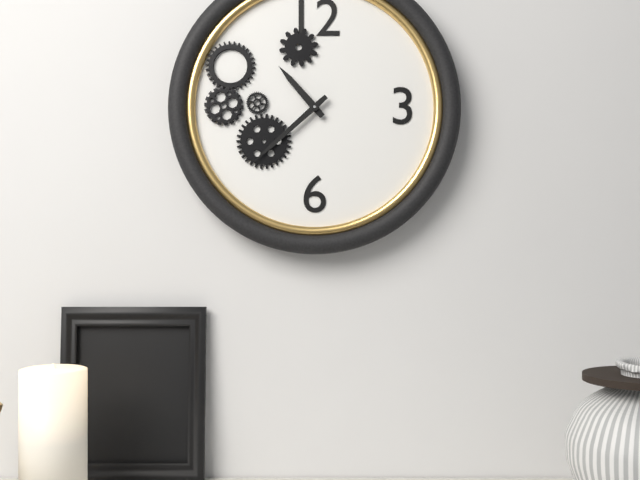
10:38
